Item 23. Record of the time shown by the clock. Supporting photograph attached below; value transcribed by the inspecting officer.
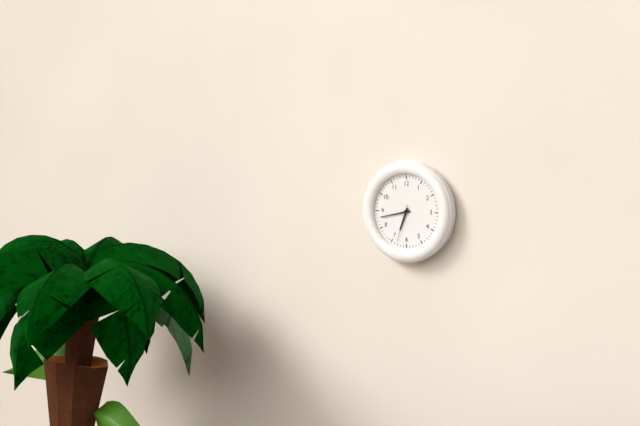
6:43
